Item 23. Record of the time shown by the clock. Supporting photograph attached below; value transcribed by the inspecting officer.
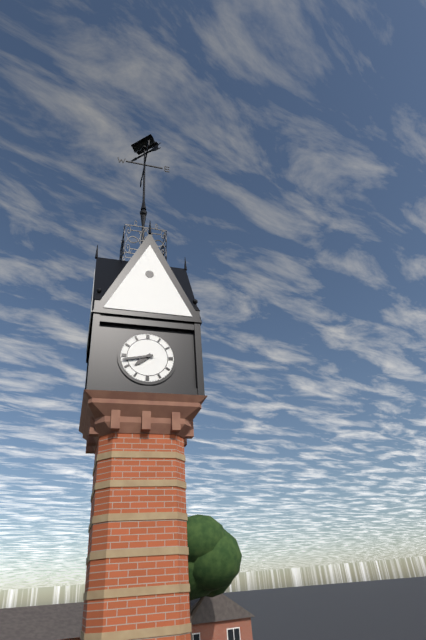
7:43
